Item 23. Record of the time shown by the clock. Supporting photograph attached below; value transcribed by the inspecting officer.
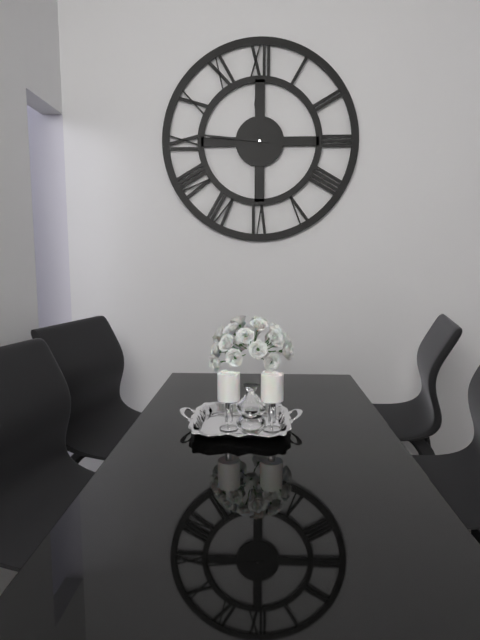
11:46
